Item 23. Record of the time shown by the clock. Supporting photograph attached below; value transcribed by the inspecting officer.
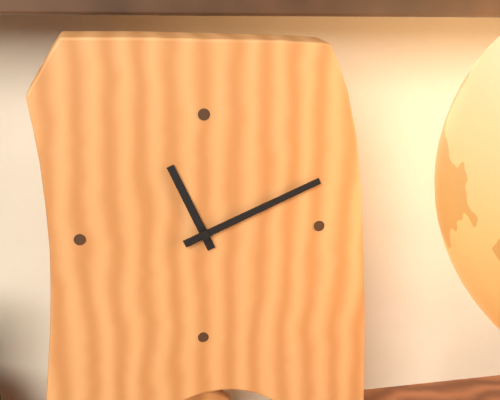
11:11
